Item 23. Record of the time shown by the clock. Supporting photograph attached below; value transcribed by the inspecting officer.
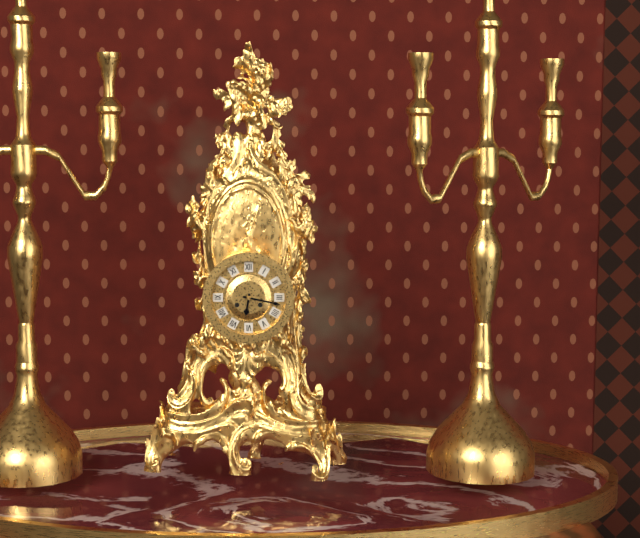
6:17
